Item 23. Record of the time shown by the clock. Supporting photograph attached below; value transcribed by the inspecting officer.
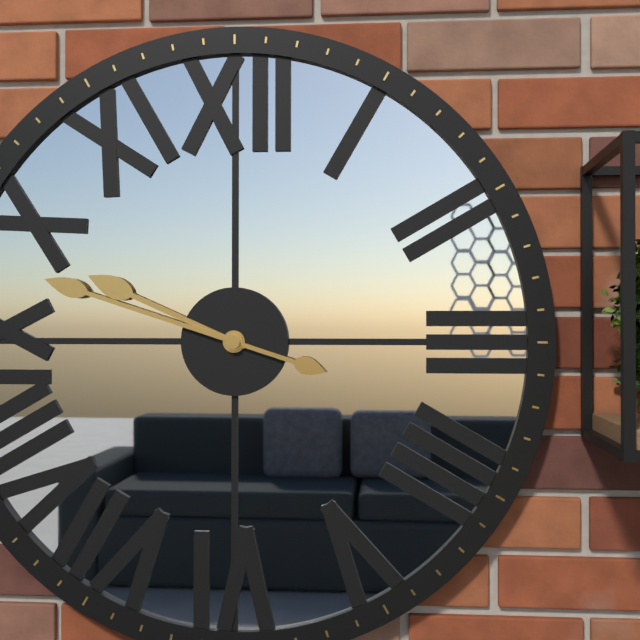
9:48
